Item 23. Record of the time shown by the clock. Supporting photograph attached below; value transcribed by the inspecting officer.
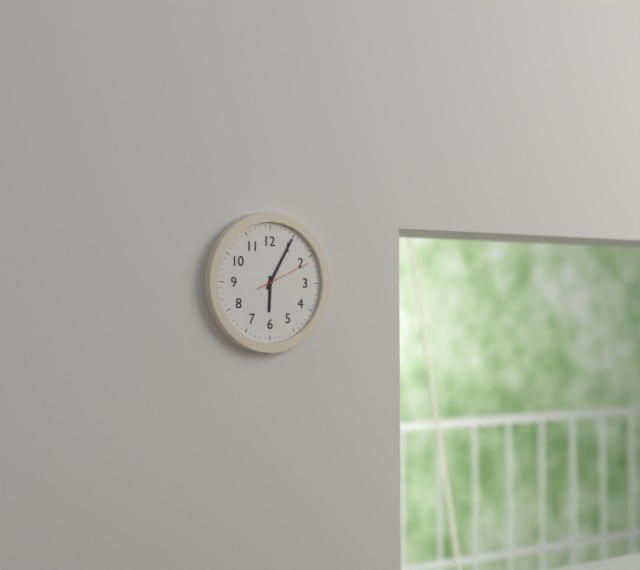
6:05:11
